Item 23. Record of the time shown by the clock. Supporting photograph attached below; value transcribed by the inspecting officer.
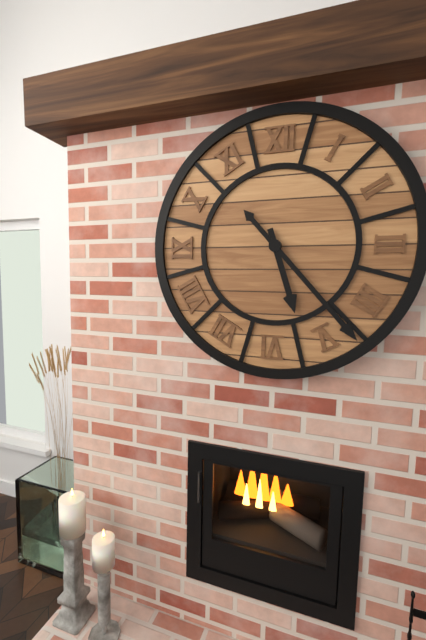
5:23
